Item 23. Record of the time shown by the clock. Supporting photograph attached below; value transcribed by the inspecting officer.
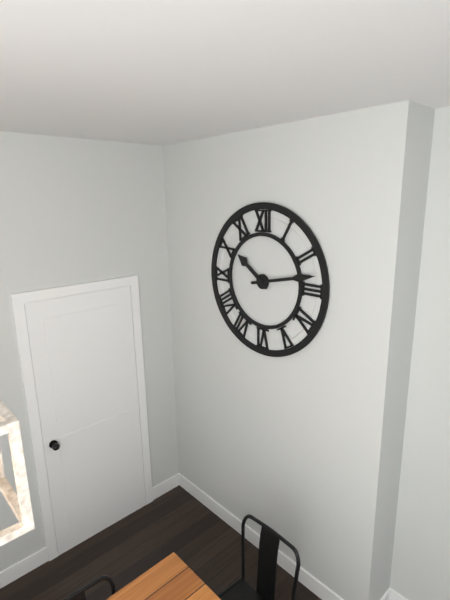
10:13
